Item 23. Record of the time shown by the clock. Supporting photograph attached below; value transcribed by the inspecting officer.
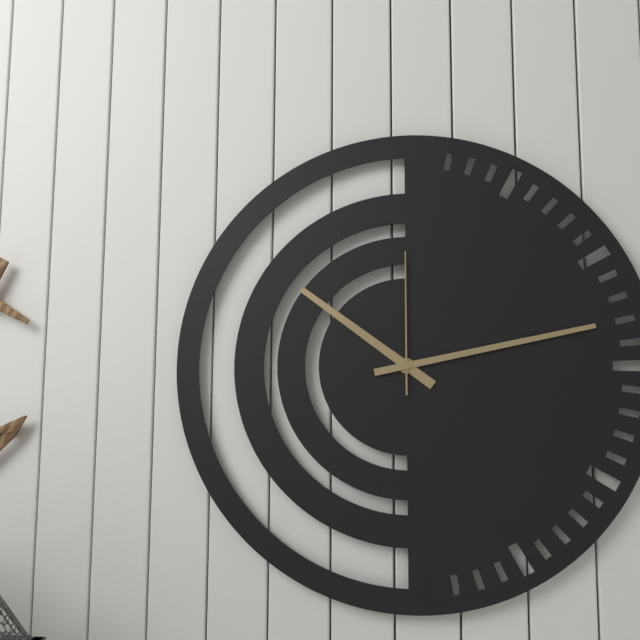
10:13:00
